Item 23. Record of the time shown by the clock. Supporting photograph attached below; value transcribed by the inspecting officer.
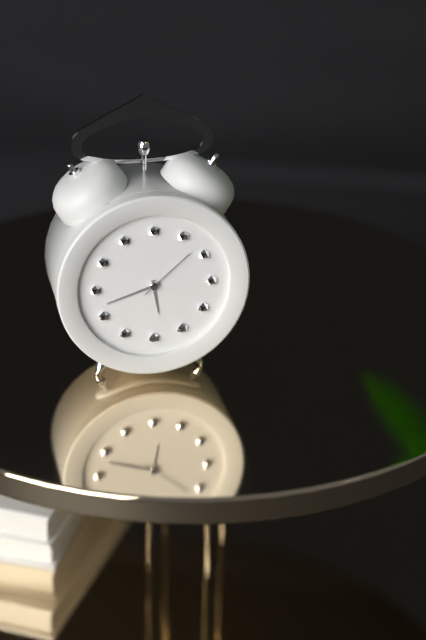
5:42:08
